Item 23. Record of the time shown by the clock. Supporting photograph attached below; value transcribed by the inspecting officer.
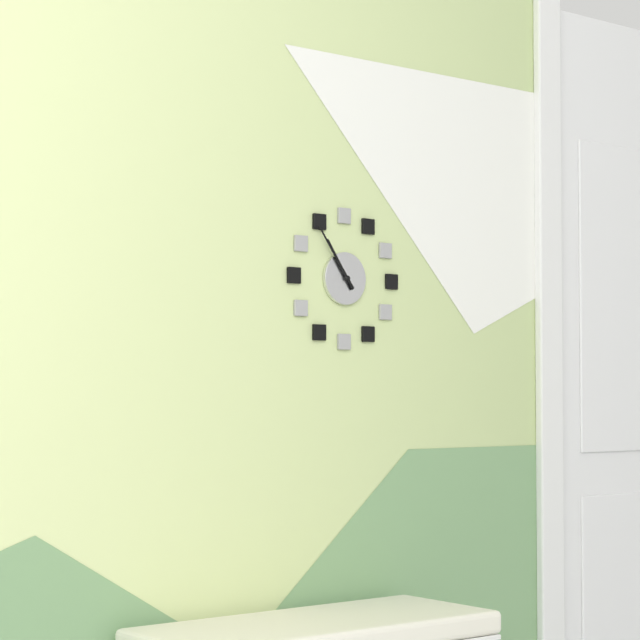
10:54
